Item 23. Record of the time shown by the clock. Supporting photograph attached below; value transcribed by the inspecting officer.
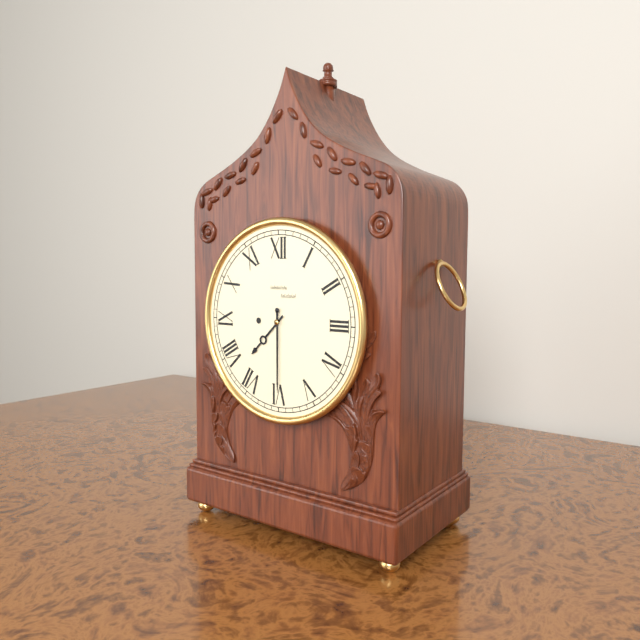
7:30
